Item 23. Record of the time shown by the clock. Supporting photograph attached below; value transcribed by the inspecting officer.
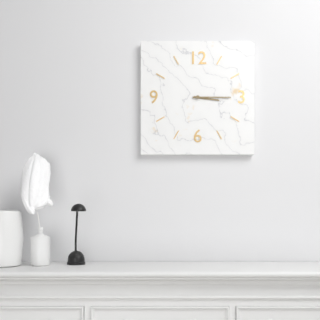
3:15
